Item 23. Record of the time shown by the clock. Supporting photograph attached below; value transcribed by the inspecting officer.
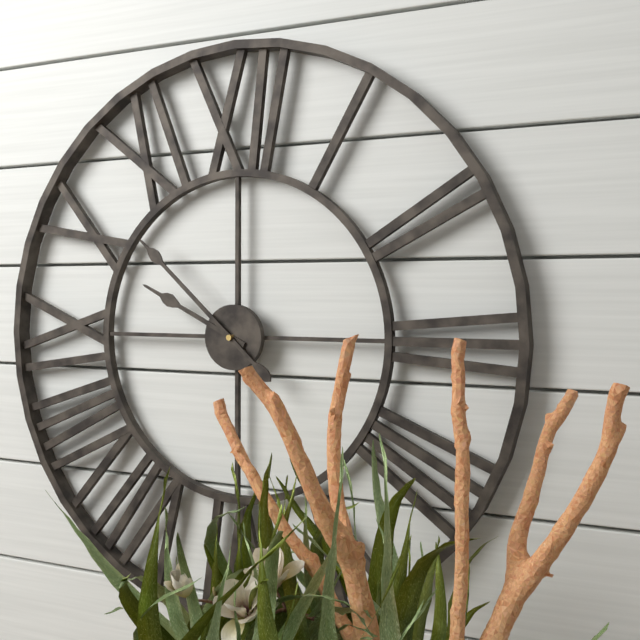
9:52
